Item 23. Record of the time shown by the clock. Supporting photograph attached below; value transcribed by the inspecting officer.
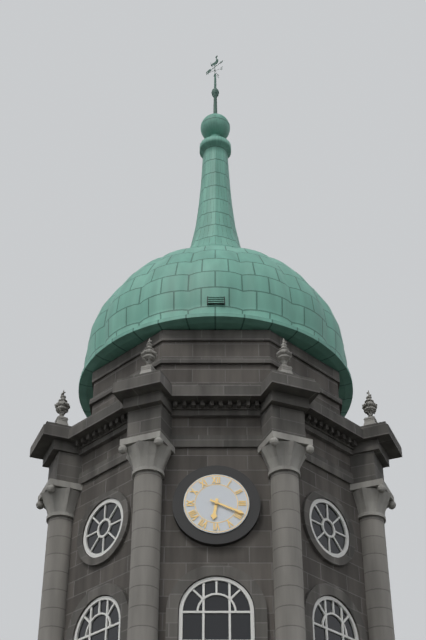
6:19
